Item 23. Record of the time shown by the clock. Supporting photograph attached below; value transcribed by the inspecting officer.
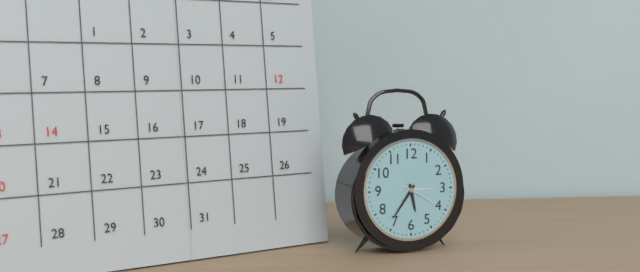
5:36
